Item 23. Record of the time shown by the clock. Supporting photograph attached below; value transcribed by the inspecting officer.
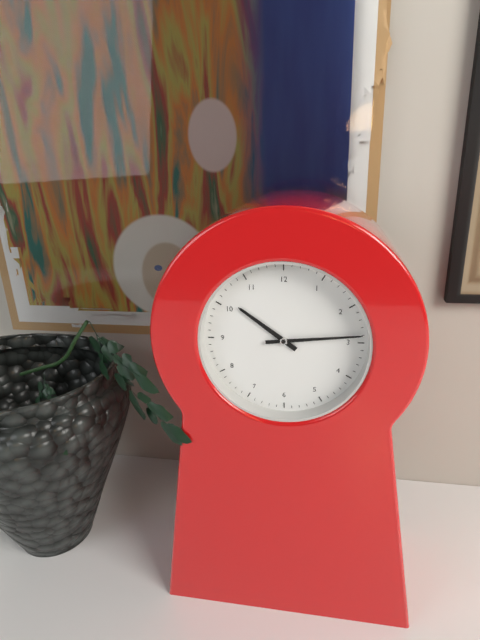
10:14
